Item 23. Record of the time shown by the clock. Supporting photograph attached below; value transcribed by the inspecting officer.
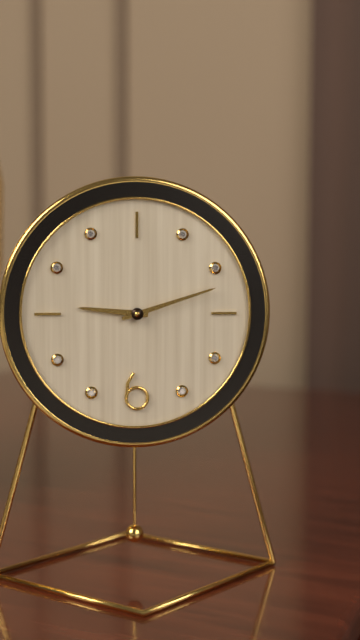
9:12
